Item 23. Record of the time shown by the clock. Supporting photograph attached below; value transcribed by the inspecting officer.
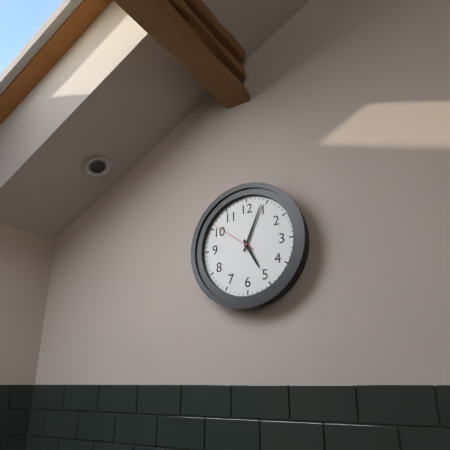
5:04
